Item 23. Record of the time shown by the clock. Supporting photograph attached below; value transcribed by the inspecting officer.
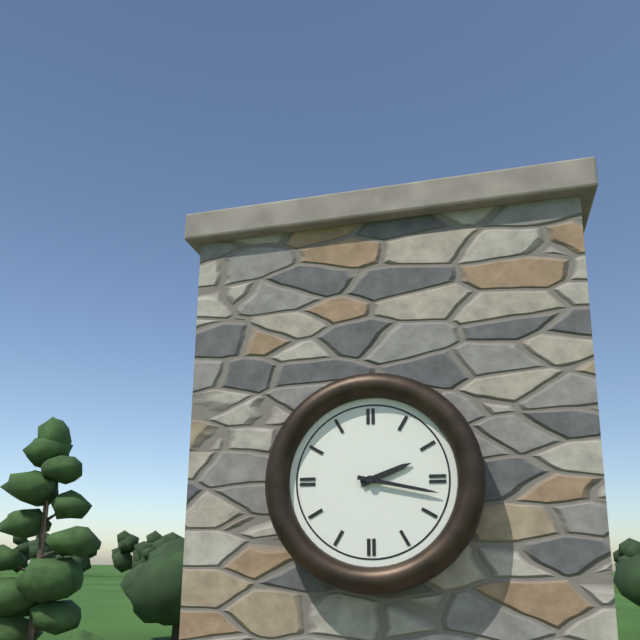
2:17
